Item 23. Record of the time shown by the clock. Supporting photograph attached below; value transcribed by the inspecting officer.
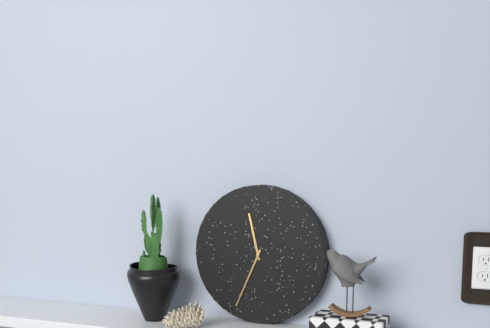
11:34
